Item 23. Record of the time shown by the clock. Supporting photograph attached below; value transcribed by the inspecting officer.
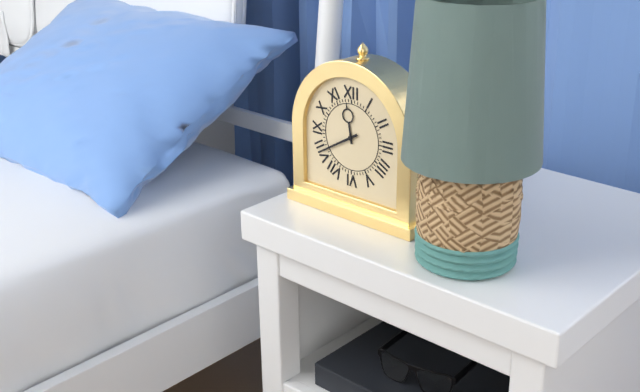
11:40
